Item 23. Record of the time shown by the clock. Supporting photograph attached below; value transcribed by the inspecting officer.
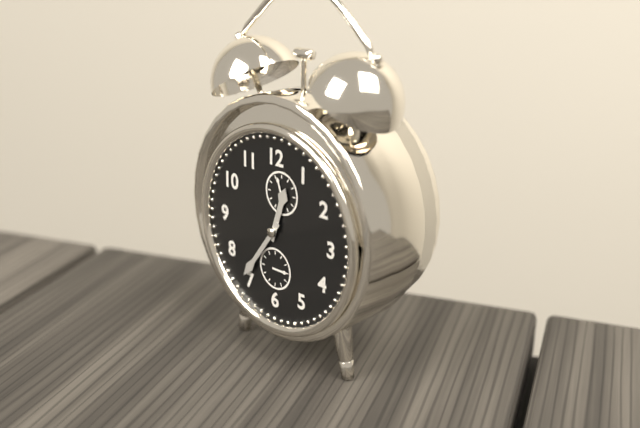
12:36
